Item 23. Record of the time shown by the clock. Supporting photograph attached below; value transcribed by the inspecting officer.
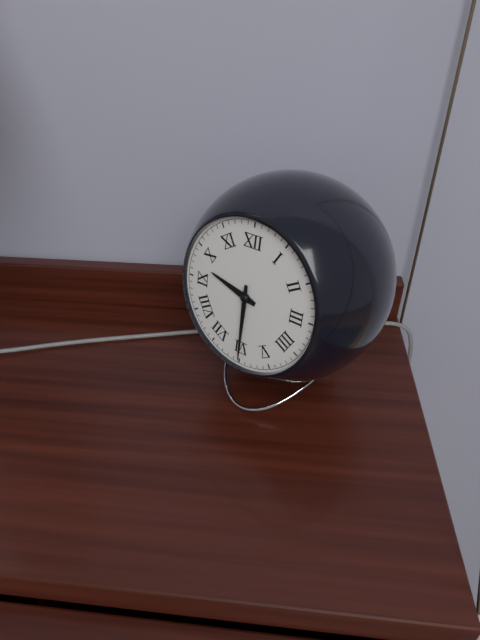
9:30
